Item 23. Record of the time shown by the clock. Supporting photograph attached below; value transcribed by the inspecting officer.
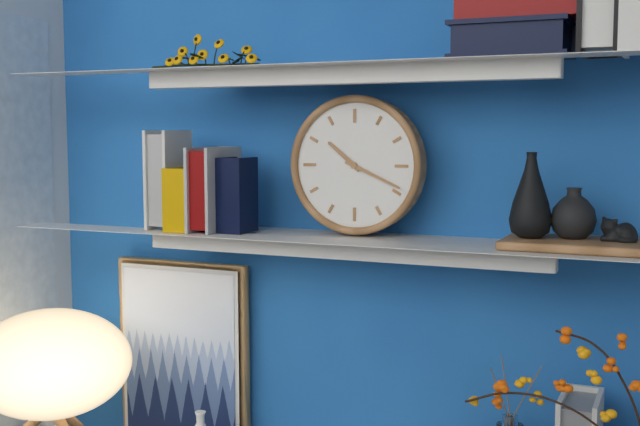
10:19
